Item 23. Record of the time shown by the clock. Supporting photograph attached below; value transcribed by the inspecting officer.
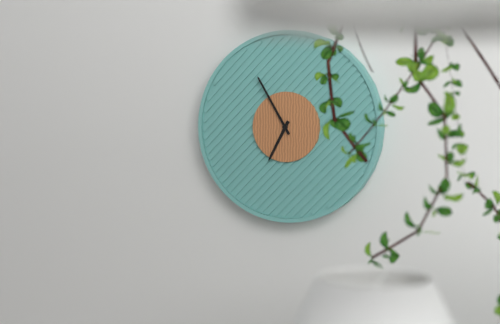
6:55
